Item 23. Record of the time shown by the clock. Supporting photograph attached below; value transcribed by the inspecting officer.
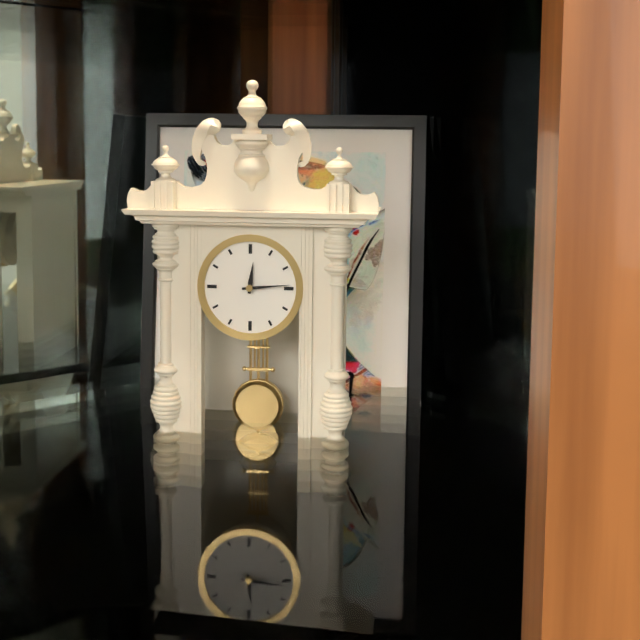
12:14
